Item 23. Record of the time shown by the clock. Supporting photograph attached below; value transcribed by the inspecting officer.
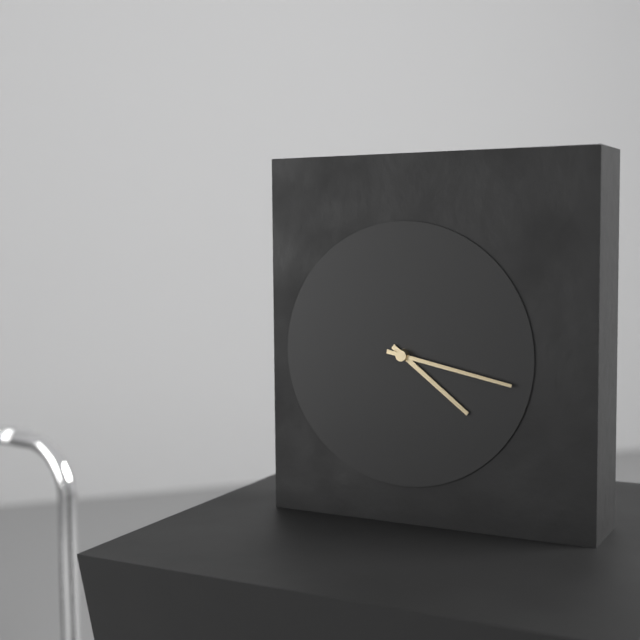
4:17
